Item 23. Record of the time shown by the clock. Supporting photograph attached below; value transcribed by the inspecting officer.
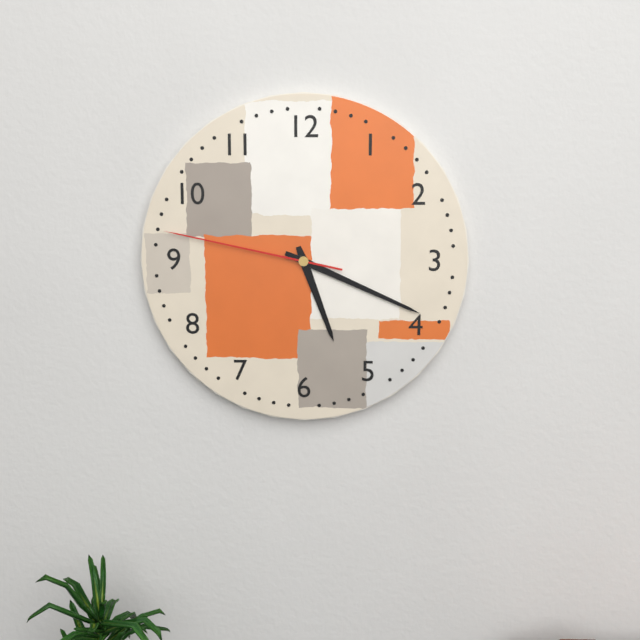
5:19:47
